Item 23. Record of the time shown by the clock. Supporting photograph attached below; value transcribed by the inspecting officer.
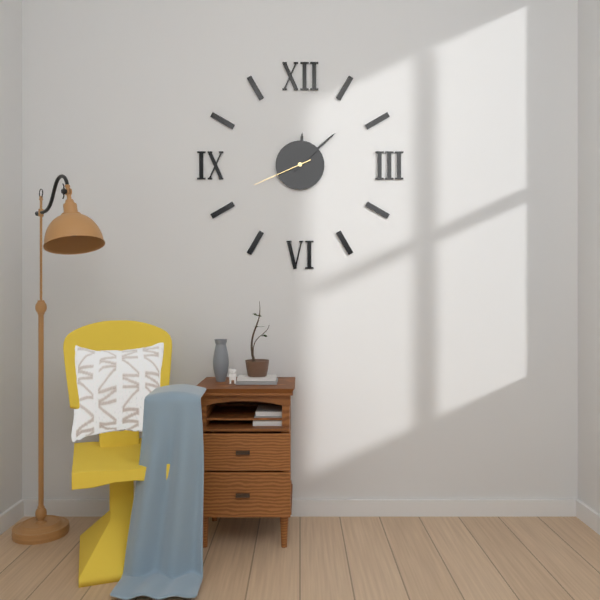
12:08:41
